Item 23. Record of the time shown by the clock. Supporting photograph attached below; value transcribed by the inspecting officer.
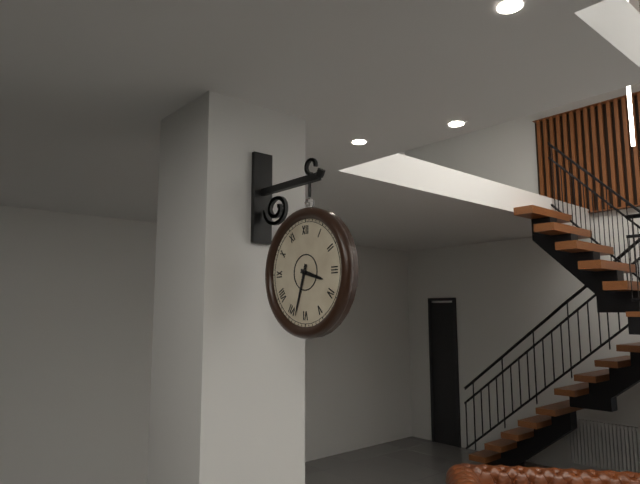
3:33
